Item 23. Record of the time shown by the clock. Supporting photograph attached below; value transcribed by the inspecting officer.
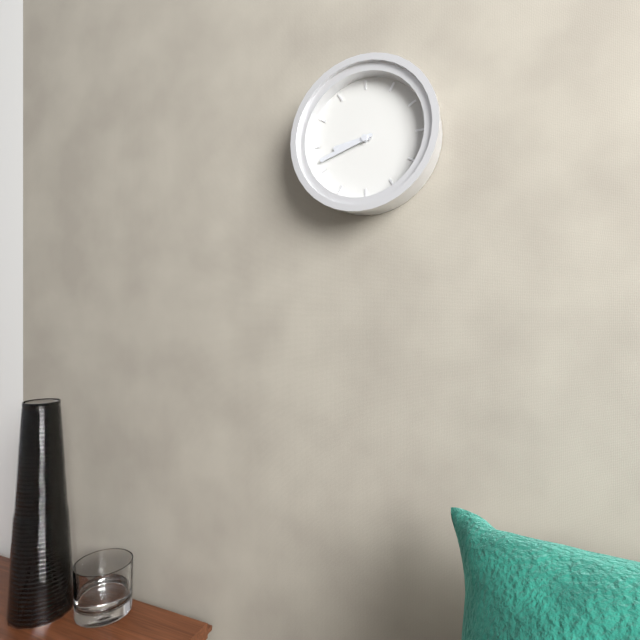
8:42
